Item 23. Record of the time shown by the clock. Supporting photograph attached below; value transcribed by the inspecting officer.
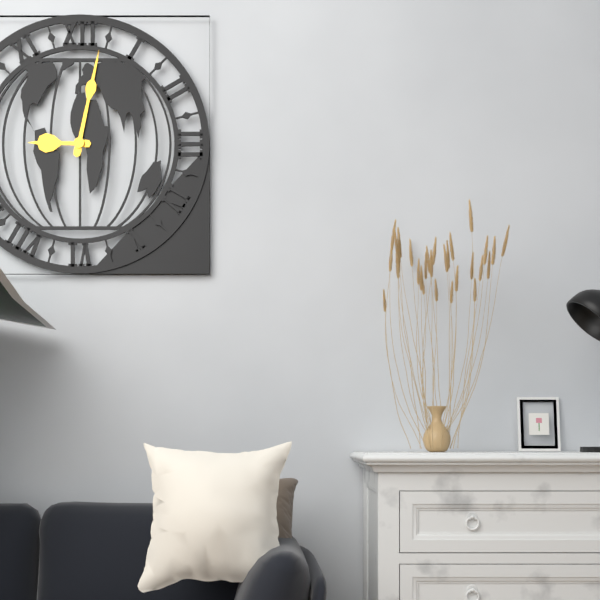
9:02
